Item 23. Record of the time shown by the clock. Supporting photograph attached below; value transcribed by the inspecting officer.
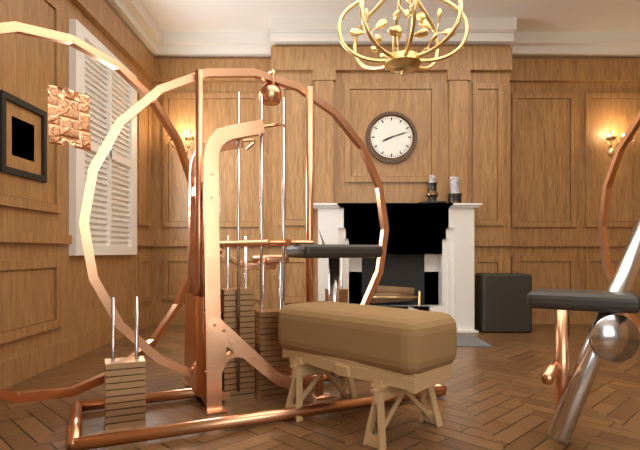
8:12
